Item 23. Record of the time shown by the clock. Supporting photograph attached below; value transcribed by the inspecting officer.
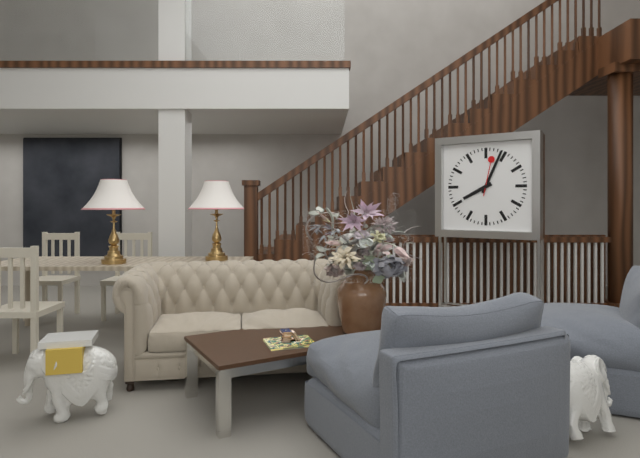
8:04
